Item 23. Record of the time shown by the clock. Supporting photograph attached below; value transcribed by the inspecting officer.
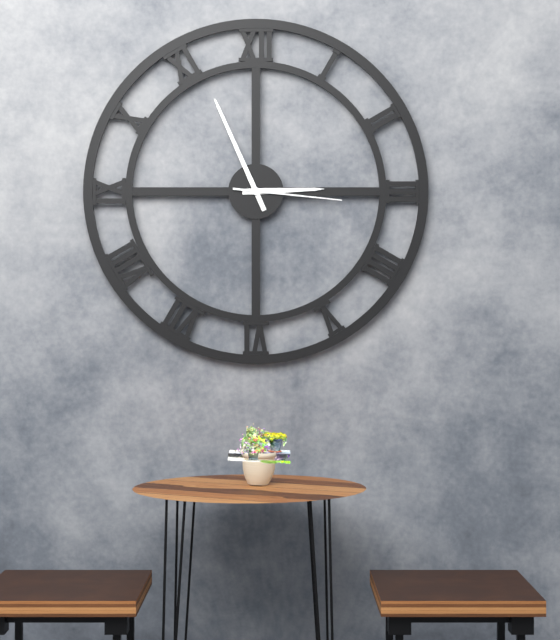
2:56:16
